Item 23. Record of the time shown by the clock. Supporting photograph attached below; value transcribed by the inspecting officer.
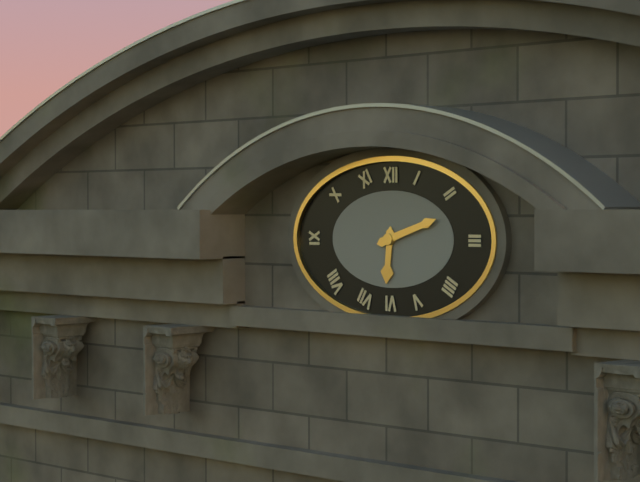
6:12
